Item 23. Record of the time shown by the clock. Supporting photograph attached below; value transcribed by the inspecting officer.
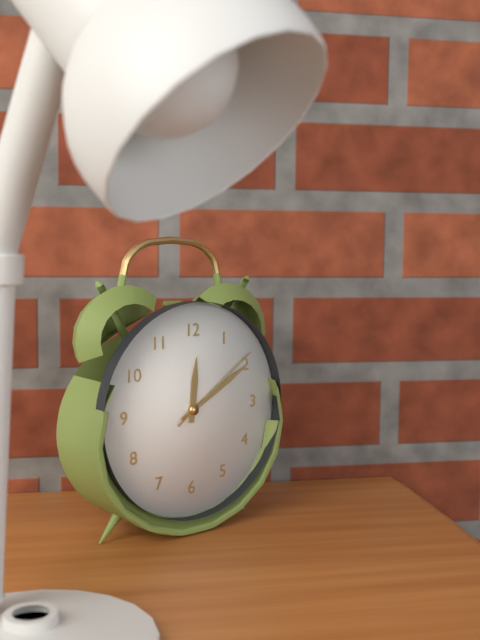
12:10:09
